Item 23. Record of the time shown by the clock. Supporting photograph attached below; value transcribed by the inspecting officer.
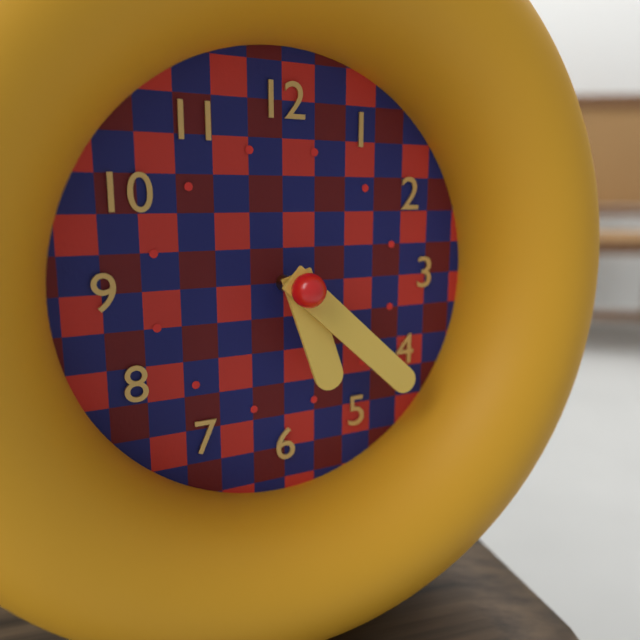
5:22
